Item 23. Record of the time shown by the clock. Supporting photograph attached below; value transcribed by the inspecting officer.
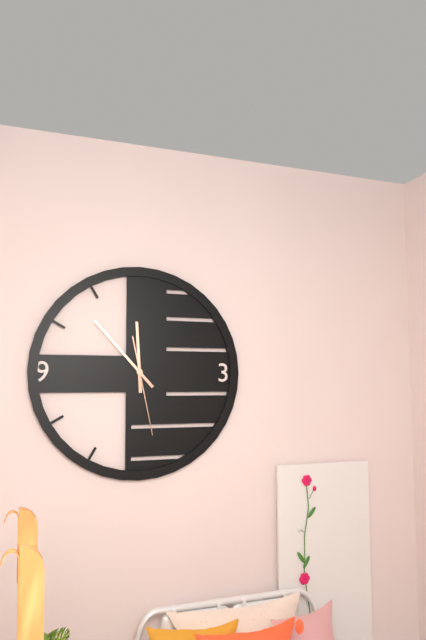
11:53:28
